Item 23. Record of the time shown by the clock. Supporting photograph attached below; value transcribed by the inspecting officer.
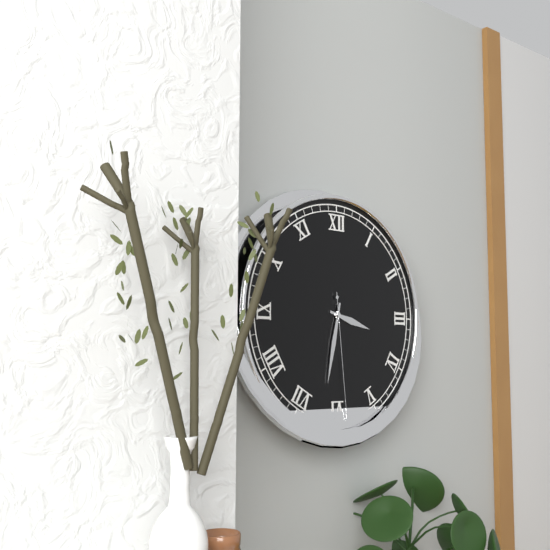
3:32:29
